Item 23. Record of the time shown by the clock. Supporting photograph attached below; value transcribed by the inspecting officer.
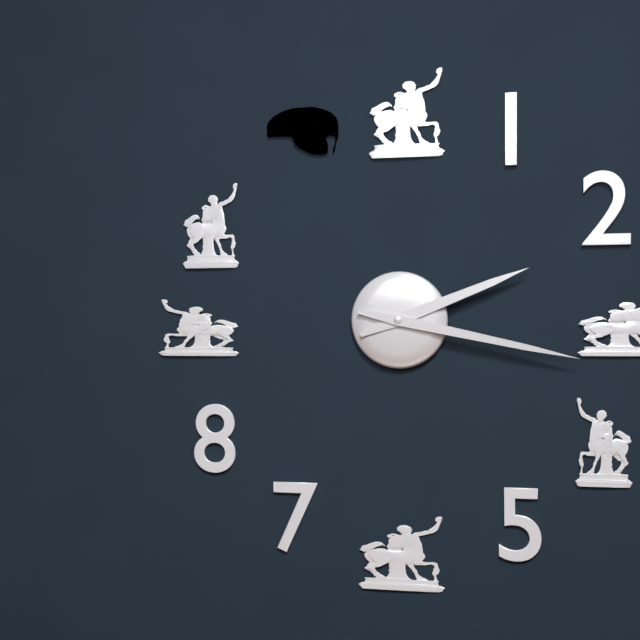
2:17
